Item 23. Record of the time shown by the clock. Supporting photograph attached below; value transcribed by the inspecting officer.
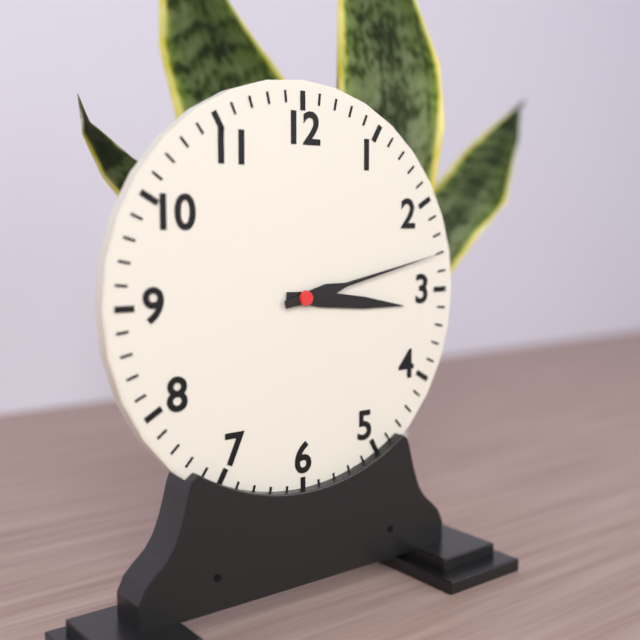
3:13
